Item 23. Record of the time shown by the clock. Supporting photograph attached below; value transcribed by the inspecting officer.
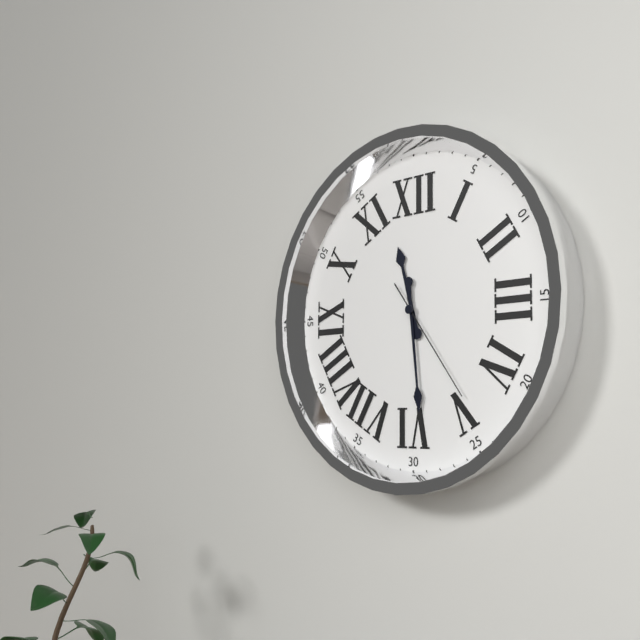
11:29:24
